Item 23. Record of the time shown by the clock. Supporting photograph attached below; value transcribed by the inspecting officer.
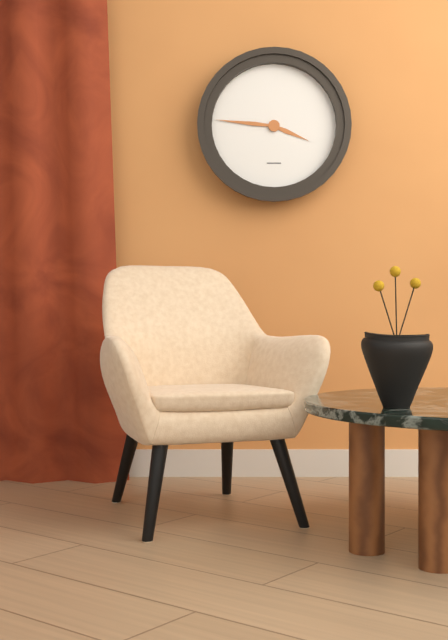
3:46
